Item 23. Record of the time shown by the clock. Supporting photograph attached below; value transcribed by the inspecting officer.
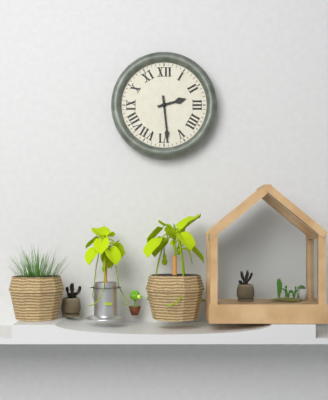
2:29
